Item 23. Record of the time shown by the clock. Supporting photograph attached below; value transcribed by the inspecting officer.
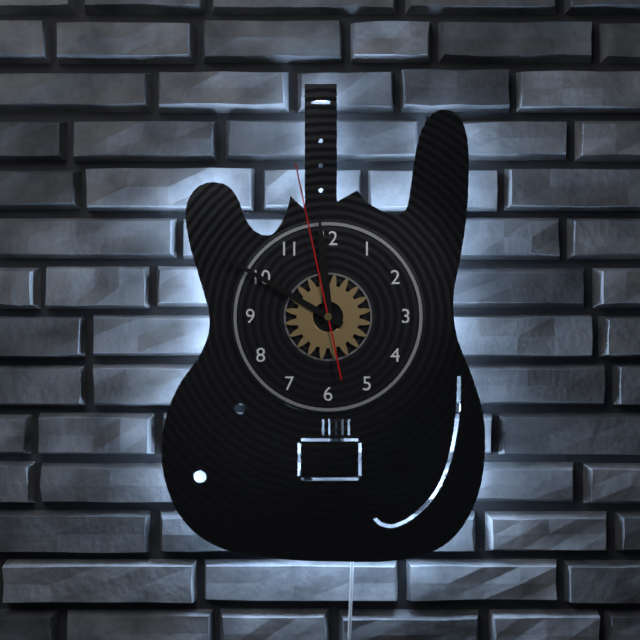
11:50:58
